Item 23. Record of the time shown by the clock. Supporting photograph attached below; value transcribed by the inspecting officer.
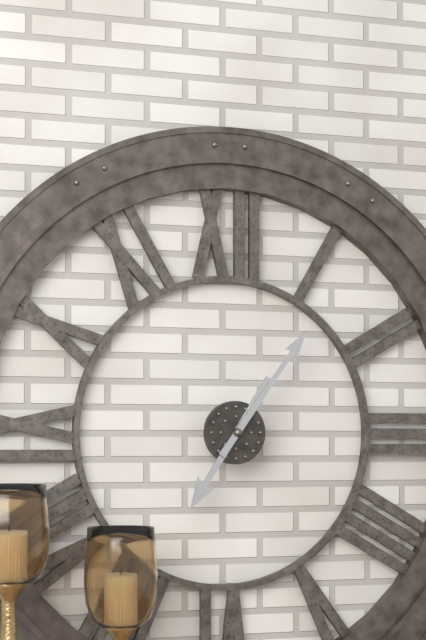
7:06
